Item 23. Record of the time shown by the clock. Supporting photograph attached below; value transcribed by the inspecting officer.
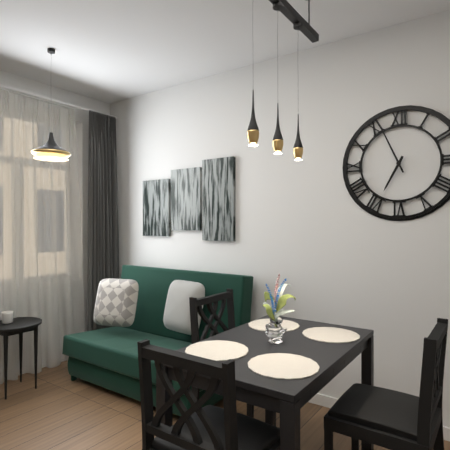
6:56
